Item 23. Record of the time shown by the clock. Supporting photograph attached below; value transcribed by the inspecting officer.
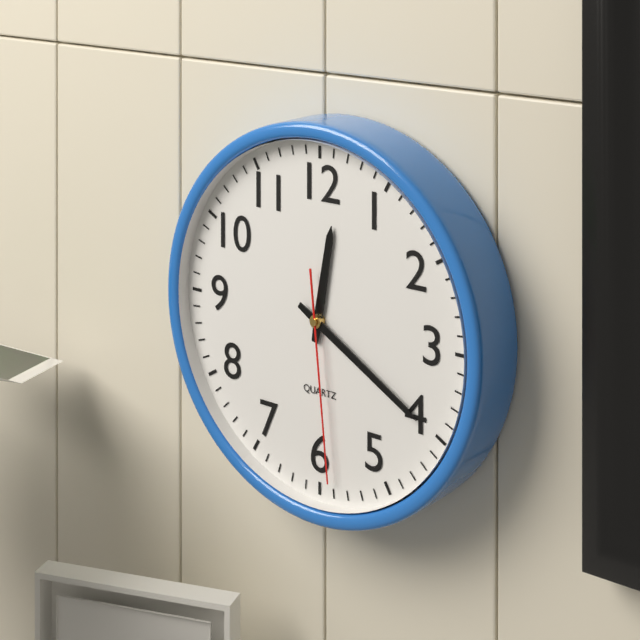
12:20:29
